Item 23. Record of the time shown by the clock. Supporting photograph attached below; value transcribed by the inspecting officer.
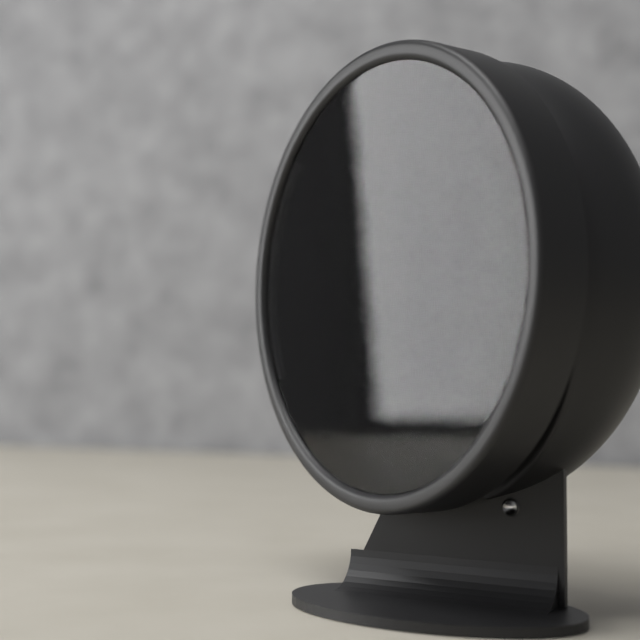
1:40:58
